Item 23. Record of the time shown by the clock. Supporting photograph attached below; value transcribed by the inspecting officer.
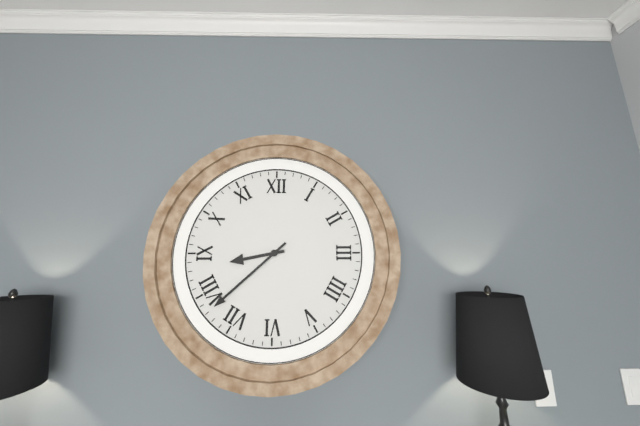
8:38
